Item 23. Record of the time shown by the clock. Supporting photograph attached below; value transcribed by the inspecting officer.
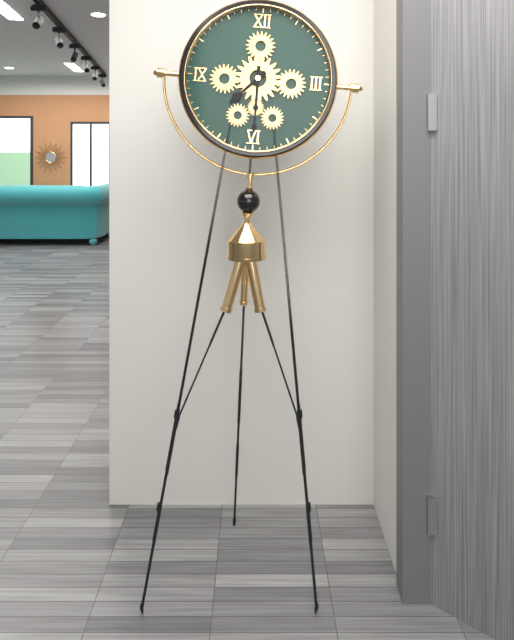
7:30
